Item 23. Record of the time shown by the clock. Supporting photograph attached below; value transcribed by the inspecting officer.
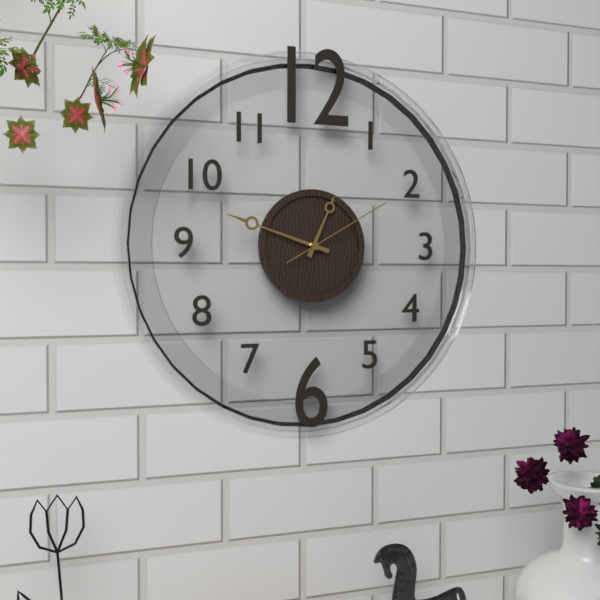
12:48:10
